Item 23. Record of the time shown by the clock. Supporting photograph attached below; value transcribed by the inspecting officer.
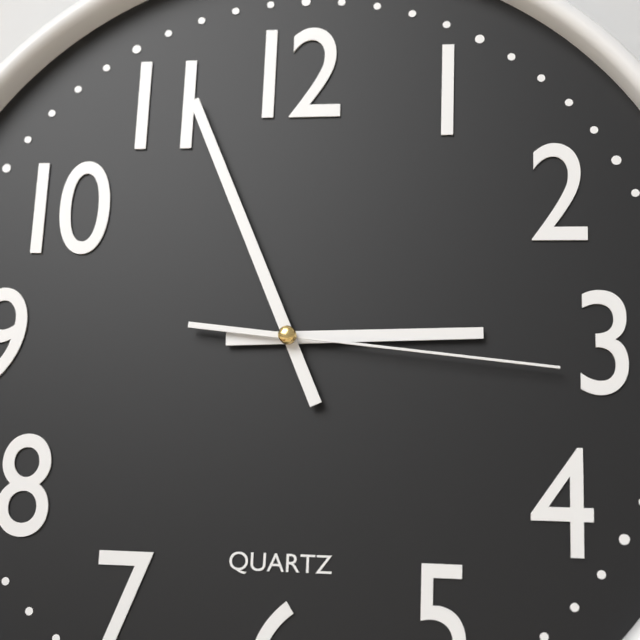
2:56:16
